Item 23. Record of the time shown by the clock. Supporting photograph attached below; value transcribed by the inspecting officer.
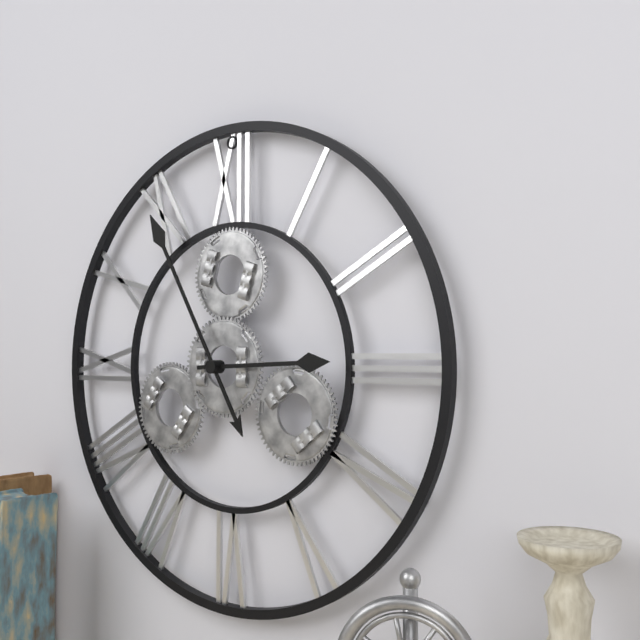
2:55
